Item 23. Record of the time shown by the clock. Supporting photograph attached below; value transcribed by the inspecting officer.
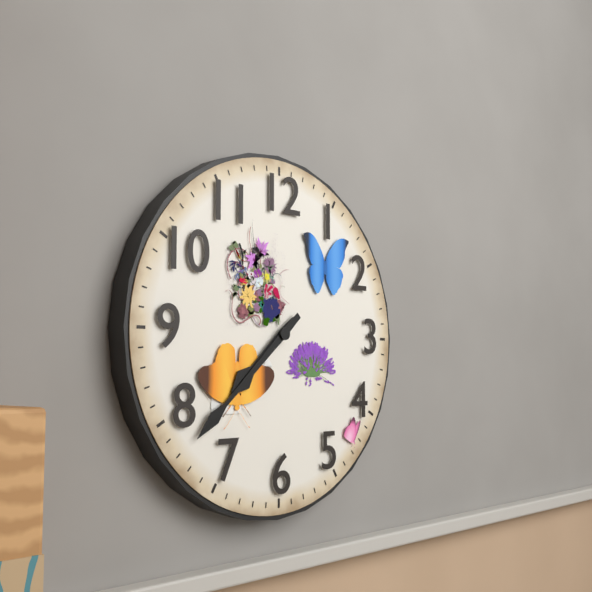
7:38
